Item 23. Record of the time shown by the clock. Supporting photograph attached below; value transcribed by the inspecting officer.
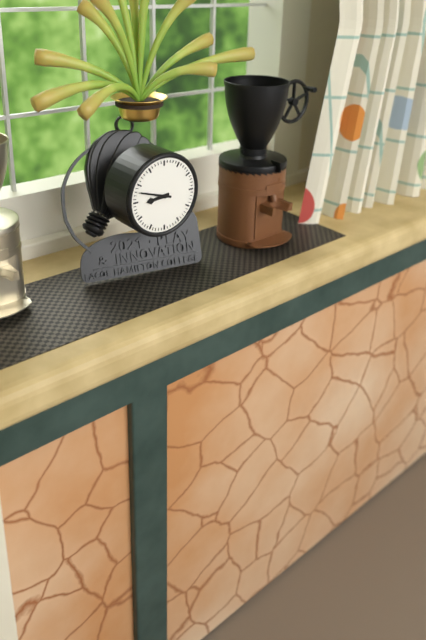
8:48
